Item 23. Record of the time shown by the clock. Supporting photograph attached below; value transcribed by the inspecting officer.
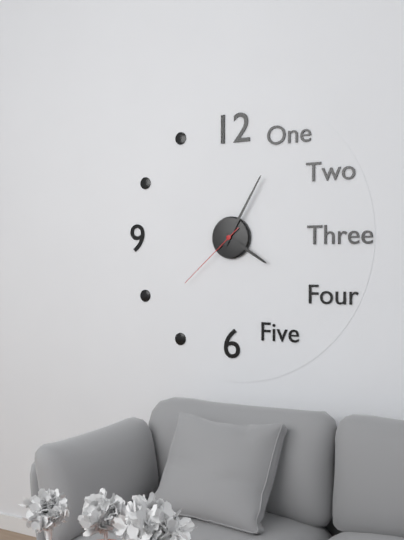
4:05:38
